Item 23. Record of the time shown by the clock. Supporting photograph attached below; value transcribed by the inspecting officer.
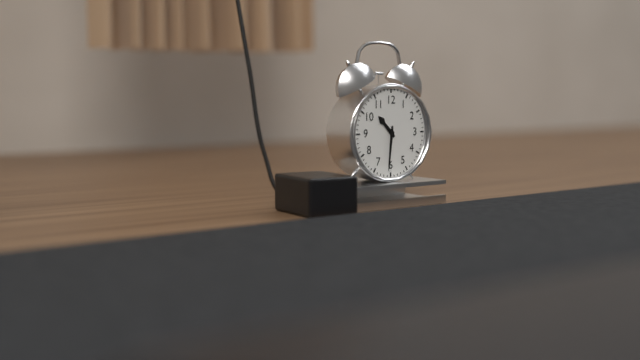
10:31
